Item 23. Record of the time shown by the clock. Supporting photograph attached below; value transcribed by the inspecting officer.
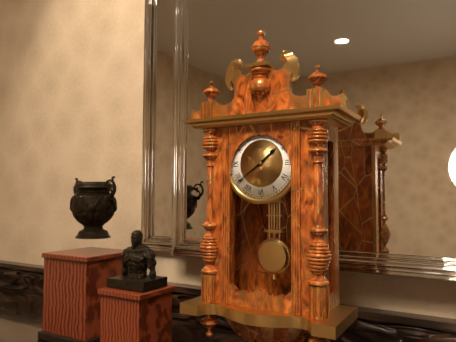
1:39
